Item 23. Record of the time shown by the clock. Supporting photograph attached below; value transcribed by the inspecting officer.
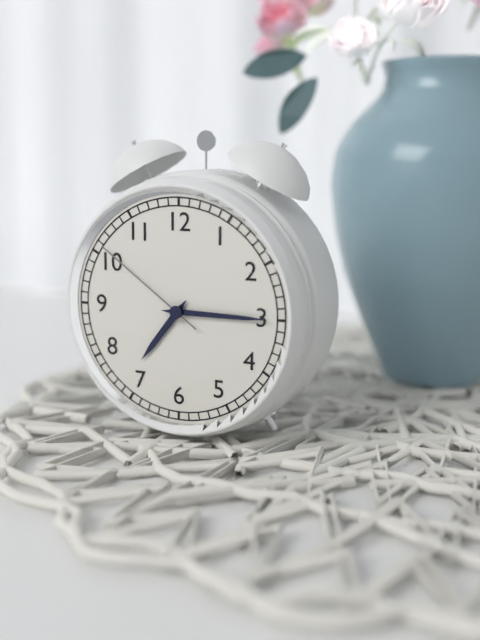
7:15:51
